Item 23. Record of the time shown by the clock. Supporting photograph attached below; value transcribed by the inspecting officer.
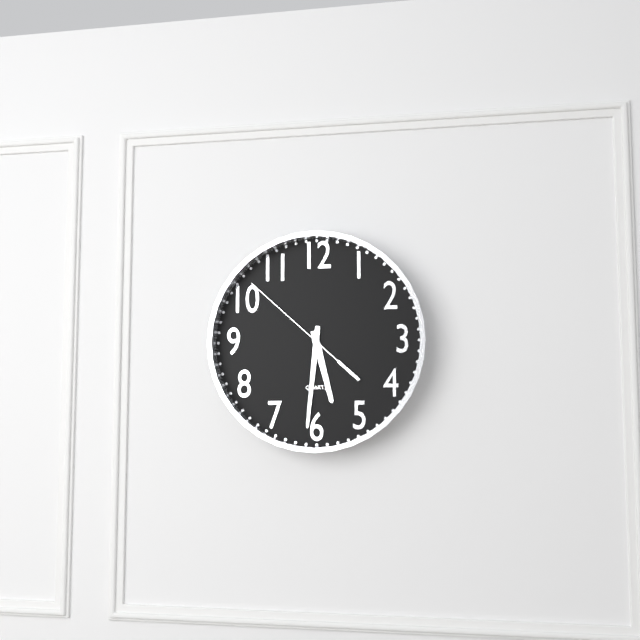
5:31:52
